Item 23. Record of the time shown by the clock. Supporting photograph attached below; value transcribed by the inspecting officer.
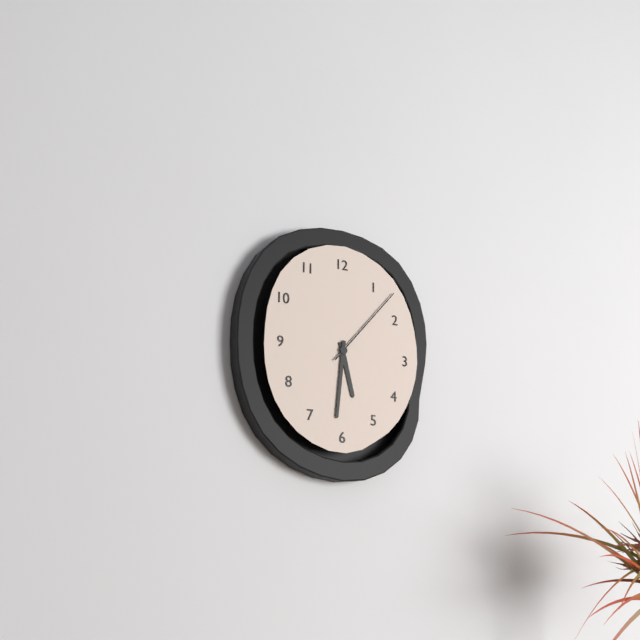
5:31:07
